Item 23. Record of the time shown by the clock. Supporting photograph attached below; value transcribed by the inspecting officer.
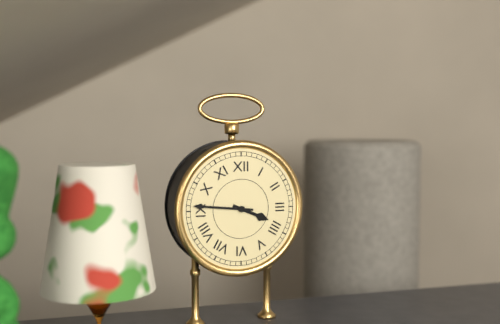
3:46
